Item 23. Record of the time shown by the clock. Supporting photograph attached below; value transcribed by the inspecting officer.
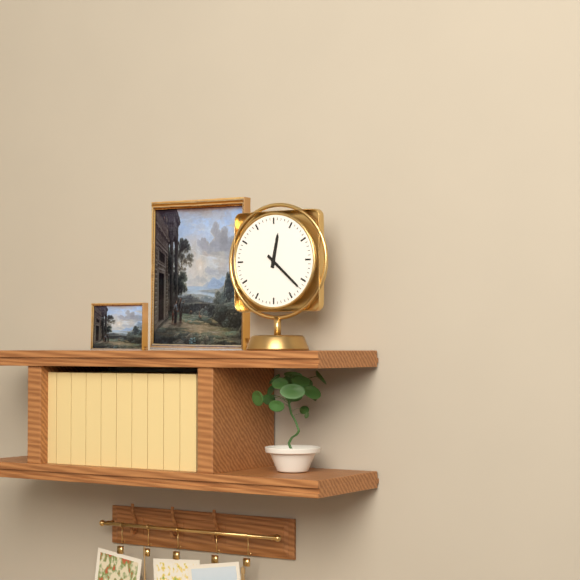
12:22
